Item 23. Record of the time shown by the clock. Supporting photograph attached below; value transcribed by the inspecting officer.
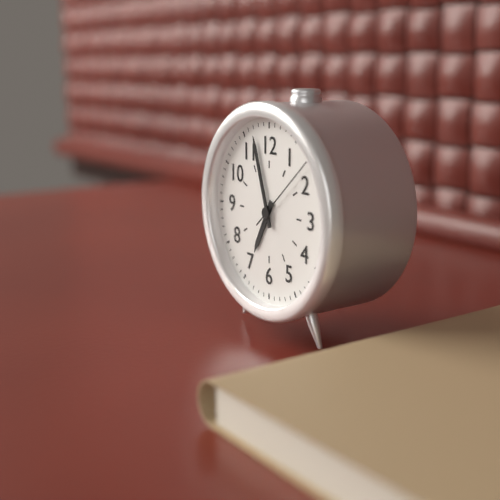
6:57:08
